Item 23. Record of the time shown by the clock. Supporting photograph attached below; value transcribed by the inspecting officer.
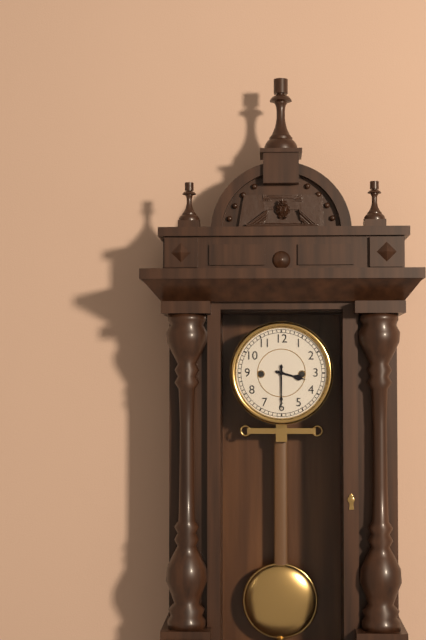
3:30
